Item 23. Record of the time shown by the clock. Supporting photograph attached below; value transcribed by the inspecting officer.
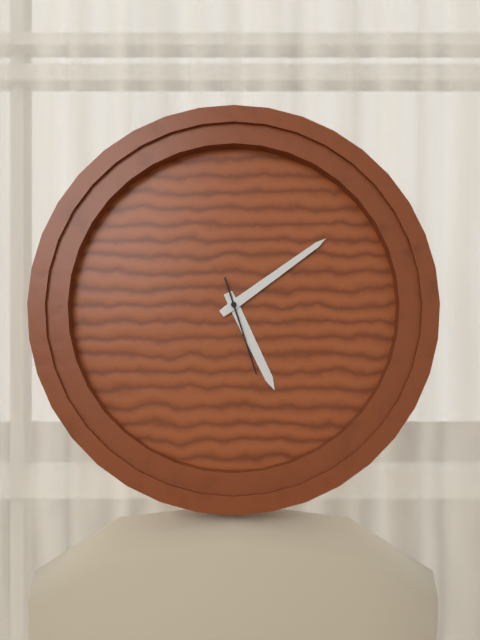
5:09:27
